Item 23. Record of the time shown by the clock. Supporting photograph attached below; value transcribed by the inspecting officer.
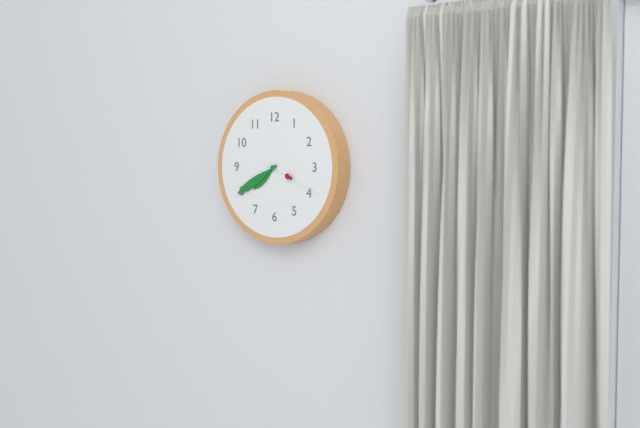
7:40:19
